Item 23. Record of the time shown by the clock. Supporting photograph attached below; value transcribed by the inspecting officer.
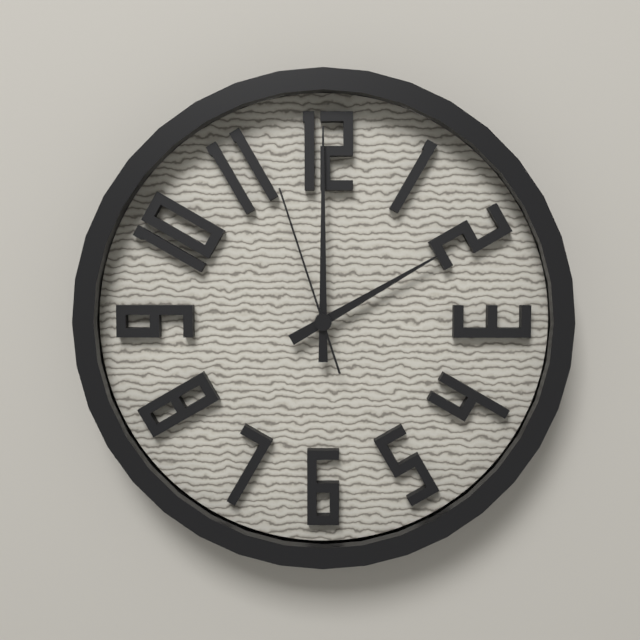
2:00:57
